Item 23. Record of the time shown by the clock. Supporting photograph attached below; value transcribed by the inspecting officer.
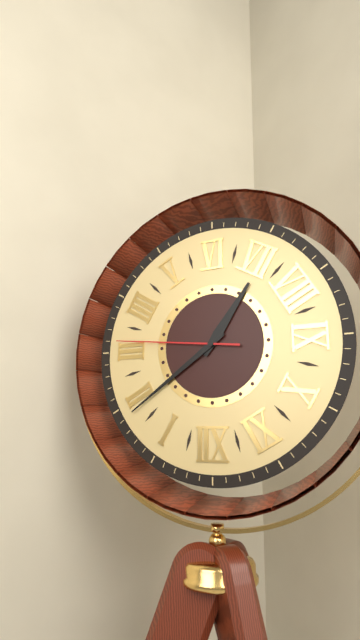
7:09:16
